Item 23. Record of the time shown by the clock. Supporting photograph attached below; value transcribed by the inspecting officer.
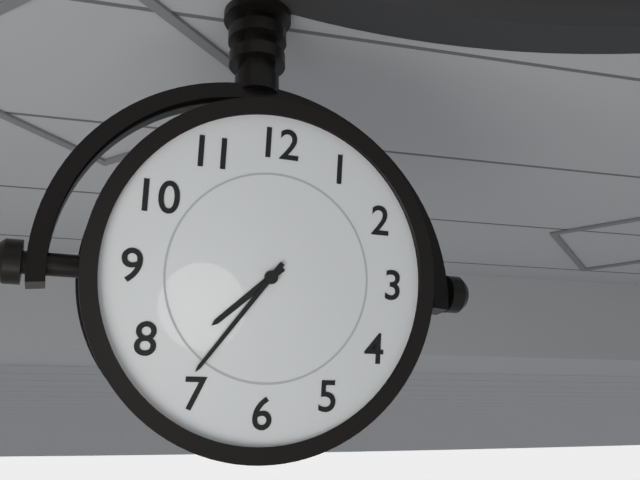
7:36
